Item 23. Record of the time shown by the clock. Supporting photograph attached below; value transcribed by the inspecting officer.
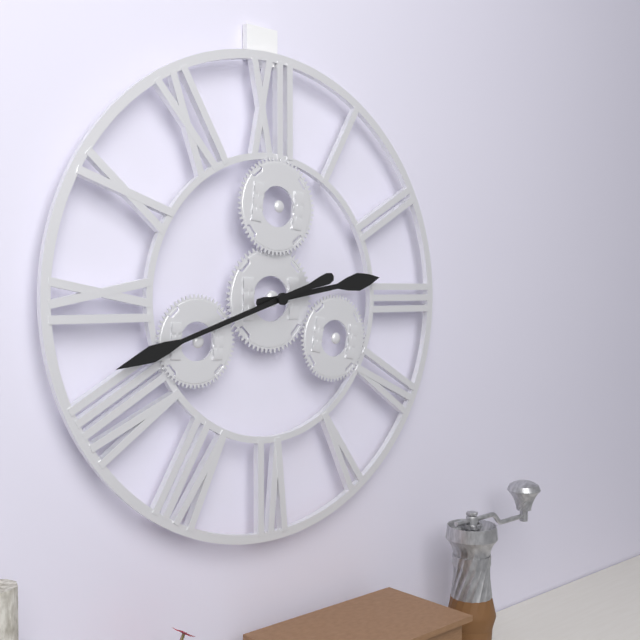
2:42
